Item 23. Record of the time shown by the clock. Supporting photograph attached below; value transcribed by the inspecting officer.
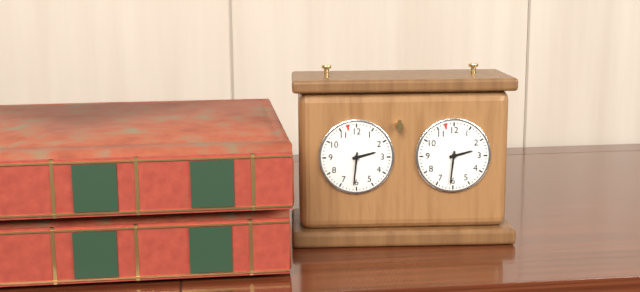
2:31
